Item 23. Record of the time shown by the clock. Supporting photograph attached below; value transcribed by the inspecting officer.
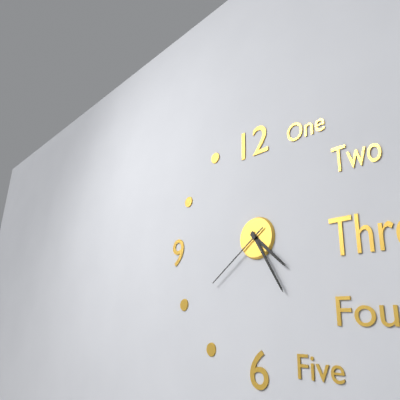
4:25:39
